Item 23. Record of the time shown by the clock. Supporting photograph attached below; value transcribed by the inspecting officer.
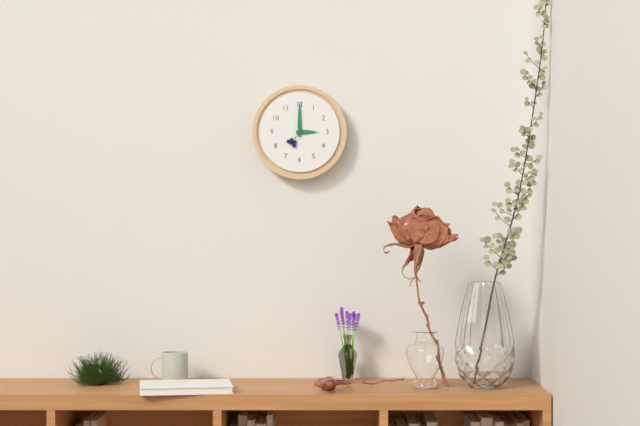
3:00
